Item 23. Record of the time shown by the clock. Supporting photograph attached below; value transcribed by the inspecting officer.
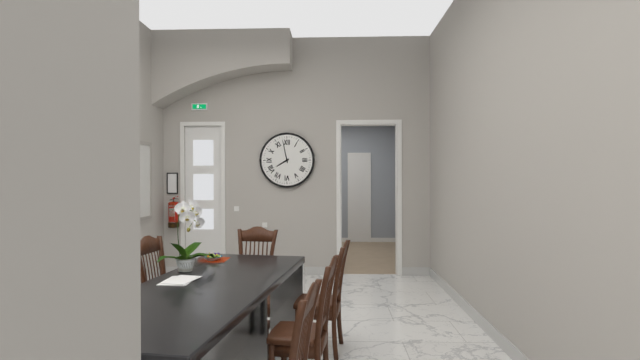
7:58
